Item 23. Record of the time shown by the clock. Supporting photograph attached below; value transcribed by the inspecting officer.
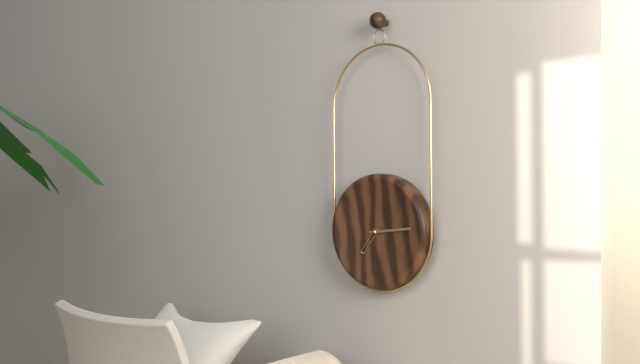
7:14
